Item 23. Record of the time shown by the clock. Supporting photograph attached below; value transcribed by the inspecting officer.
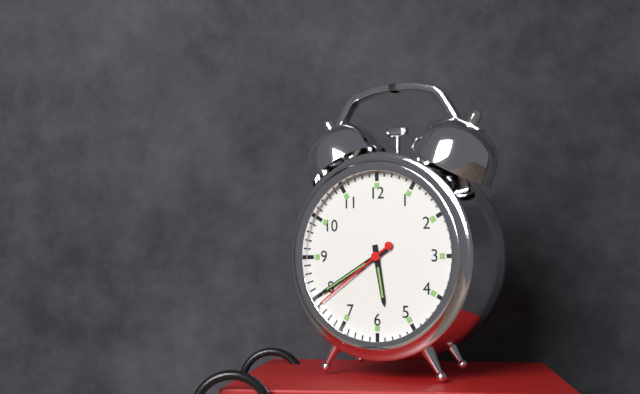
5:40:39
